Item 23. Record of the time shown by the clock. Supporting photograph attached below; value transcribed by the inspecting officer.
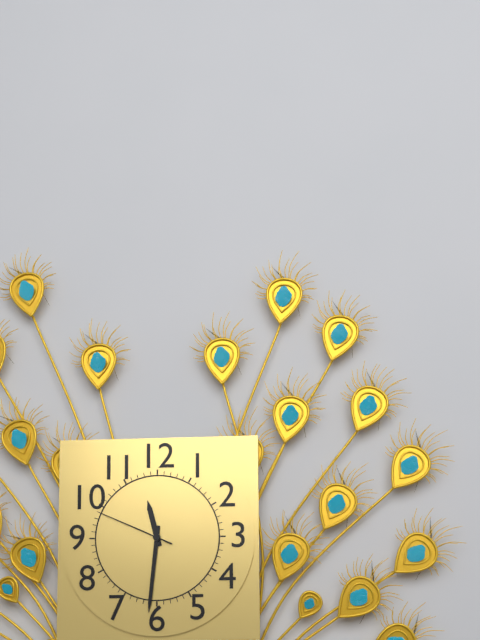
11:31:49
